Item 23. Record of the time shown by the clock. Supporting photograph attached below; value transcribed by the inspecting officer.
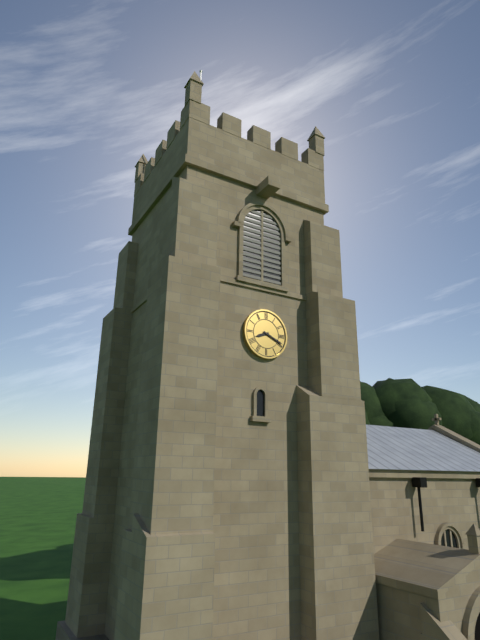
8:19
